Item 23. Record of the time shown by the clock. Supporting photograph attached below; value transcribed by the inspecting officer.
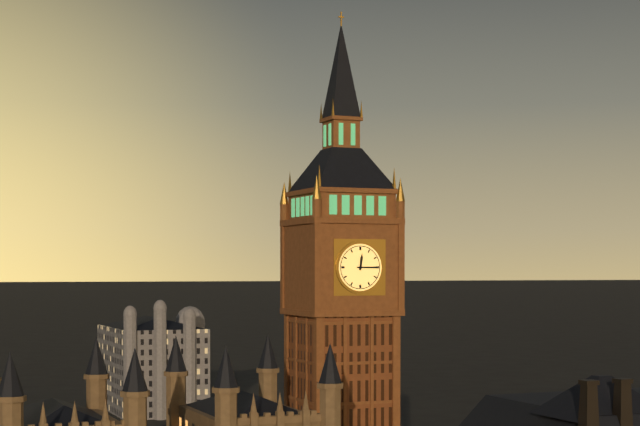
12:15
